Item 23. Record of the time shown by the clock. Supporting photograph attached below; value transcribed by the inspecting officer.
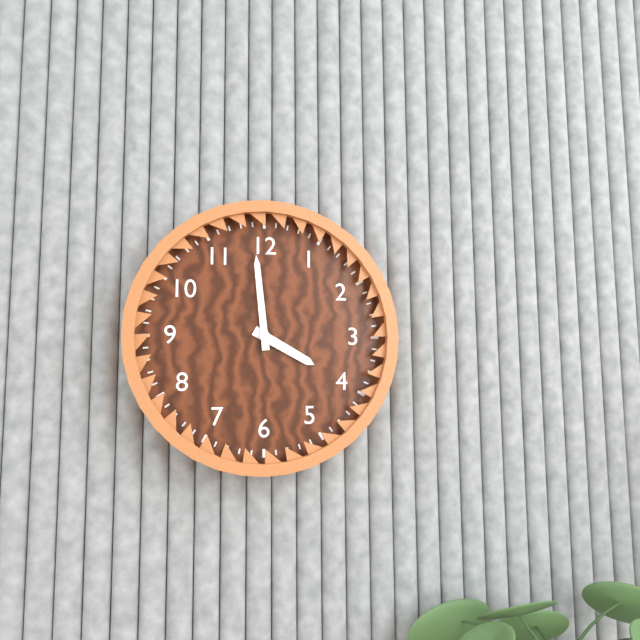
3:59
